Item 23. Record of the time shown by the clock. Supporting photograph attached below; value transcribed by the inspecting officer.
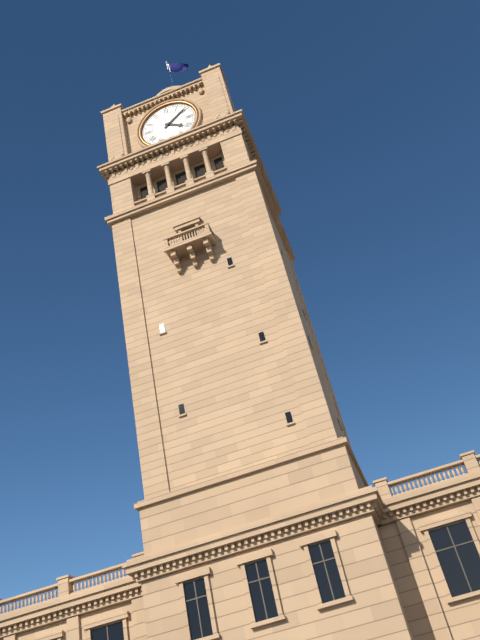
4:09
